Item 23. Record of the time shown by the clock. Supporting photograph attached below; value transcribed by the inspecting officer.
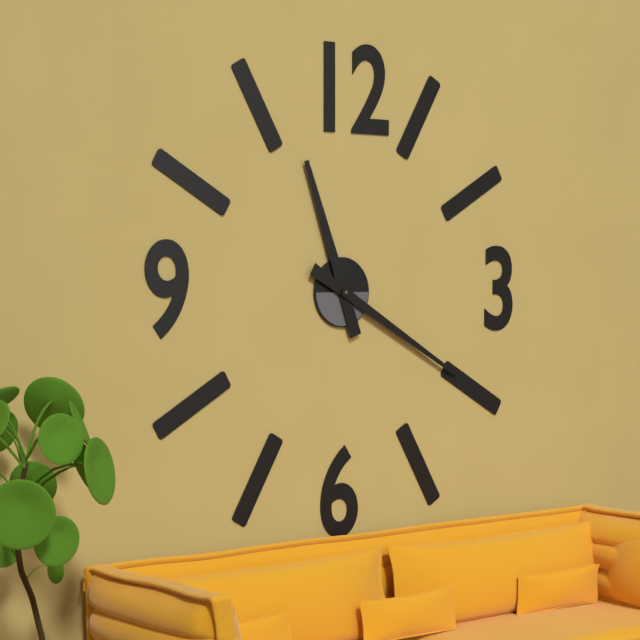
11:20
